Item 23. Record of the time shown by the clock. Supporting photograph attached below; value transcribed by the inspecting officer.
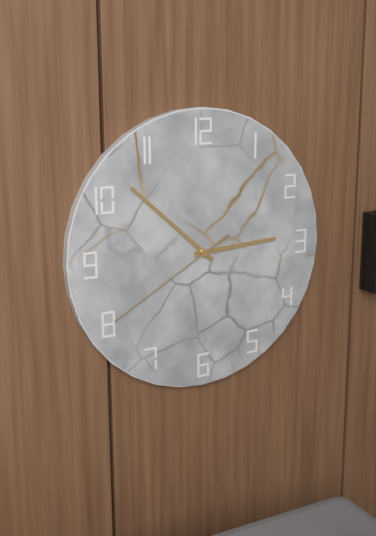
2:52:40
